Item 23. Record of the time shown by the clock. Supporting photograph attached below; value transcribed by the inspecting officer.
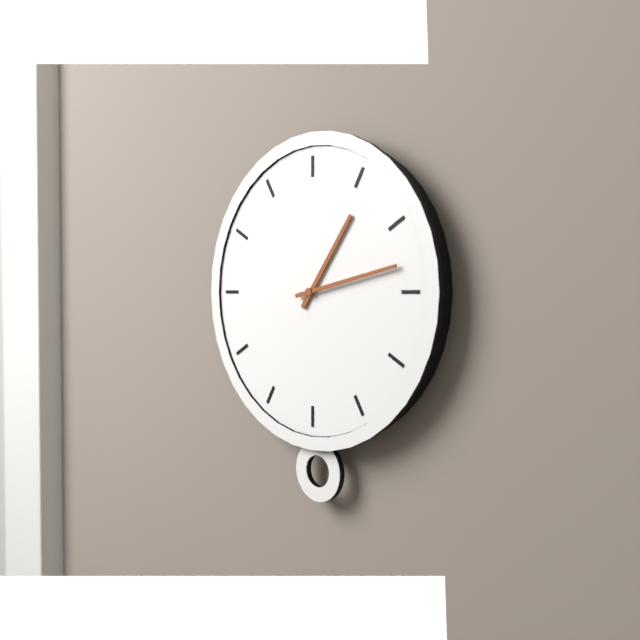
1:13
